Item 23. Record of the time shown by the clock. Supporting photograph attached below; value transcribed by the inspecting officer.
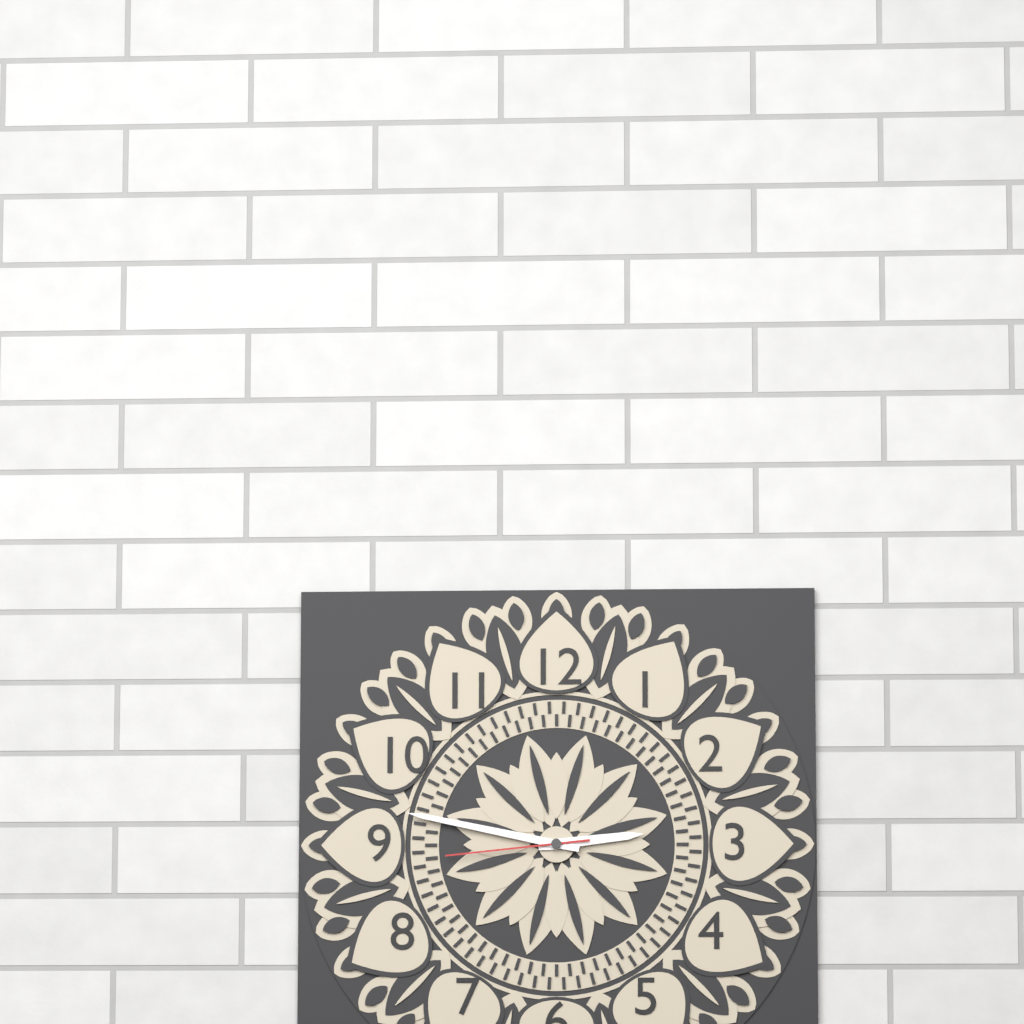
2:47:44
